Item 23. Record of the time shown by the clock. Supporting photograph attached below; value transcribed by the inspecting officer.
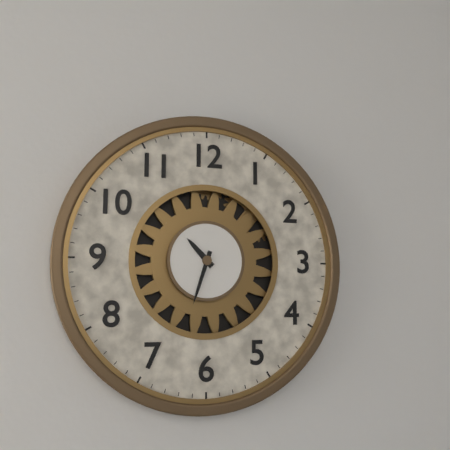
10:33
